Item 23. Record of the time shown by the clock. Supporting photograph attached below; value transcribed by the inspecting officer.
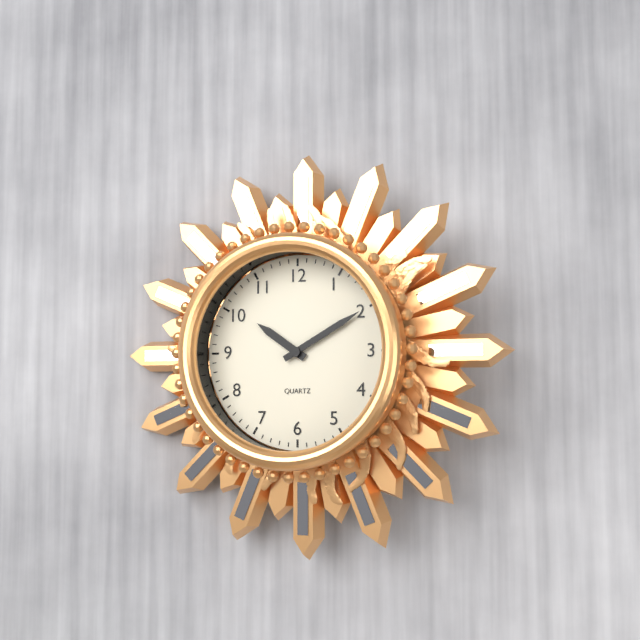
10:10
